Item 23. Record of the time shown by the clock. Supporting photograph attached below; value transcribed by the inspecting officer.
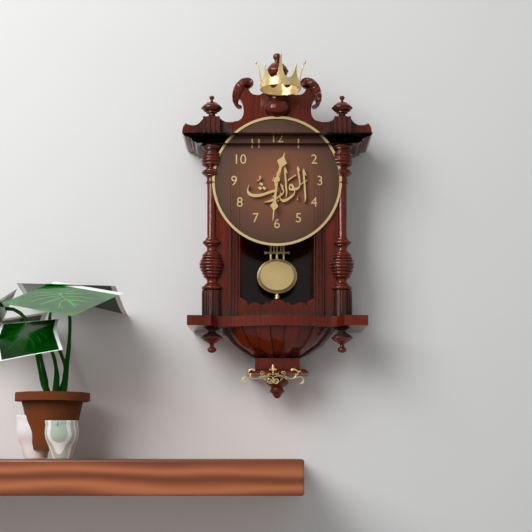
12:31
